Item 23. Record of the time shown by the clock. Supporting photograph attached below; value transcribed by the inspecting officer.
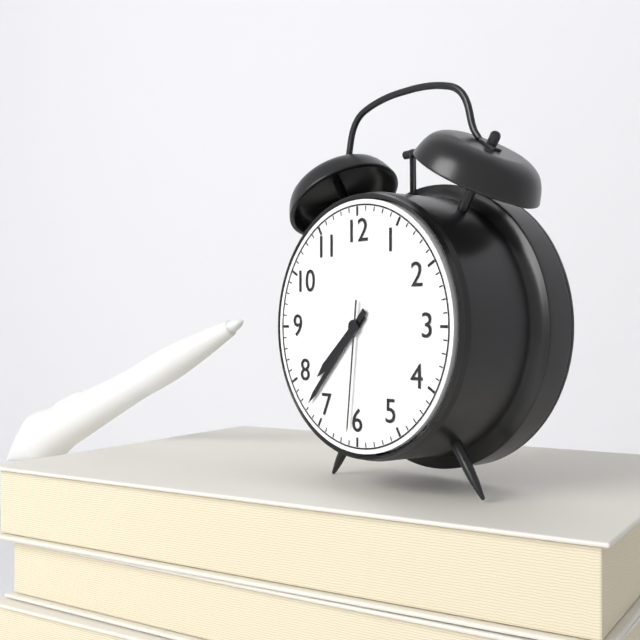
7:37:31
